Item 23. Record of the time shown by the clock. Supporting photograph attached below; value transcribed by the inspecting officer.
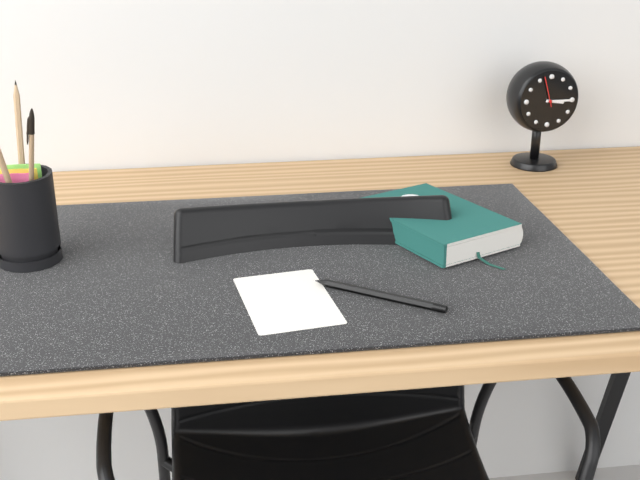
3:15
